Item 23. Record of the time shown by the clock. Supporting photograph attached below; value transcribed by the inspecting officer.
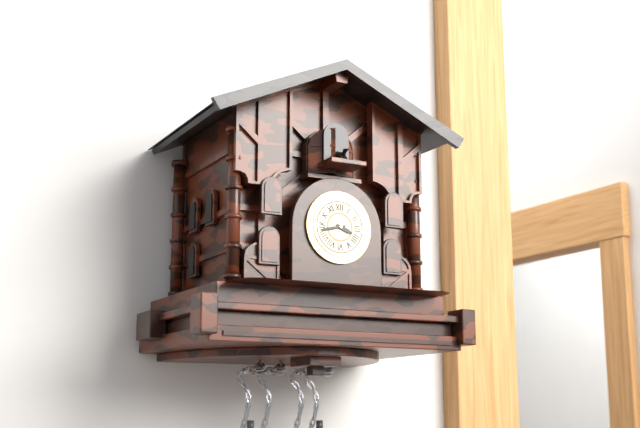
3:43
